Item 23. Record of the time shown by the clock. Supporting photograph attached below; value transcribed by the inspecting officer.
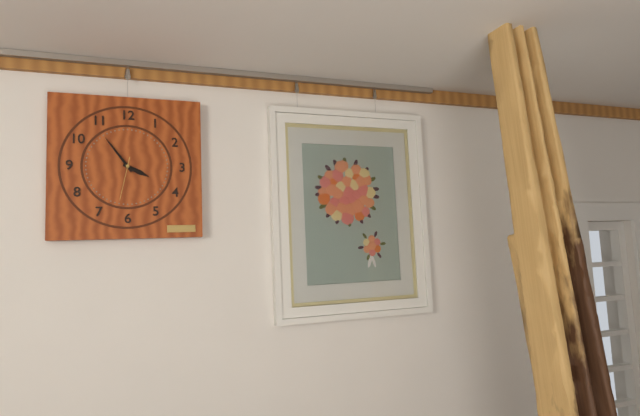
3:54
